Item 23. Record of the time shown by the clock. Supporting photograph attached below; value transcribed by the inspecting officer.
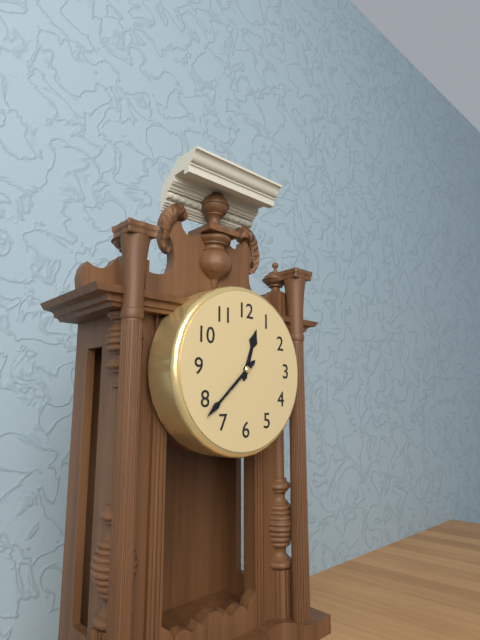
12:38
